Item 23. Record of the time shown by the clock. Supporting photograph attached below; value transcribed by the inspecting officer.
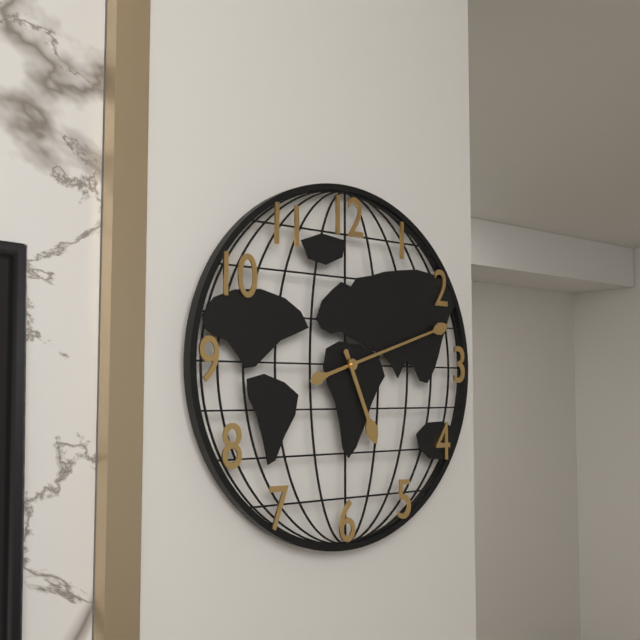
5:12
